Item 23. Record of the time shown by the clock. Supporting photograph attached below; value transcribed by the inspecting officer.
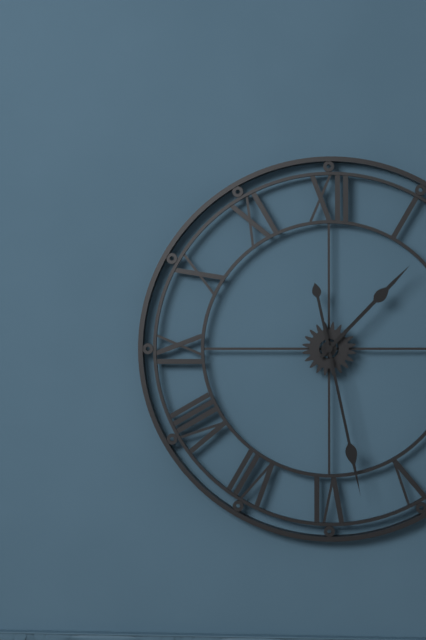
1:28
